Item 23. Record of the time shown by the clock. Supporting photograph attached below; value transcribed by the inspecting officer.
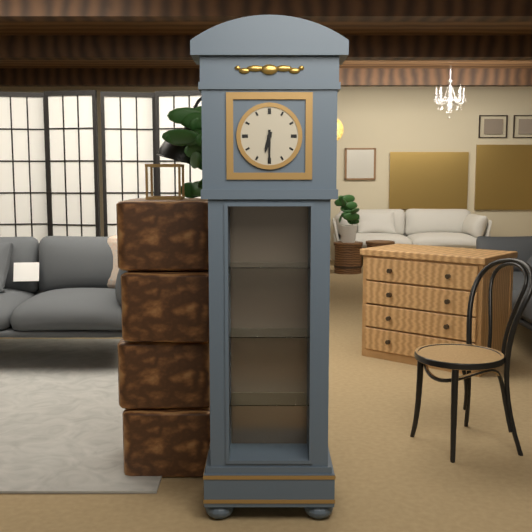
6:30
